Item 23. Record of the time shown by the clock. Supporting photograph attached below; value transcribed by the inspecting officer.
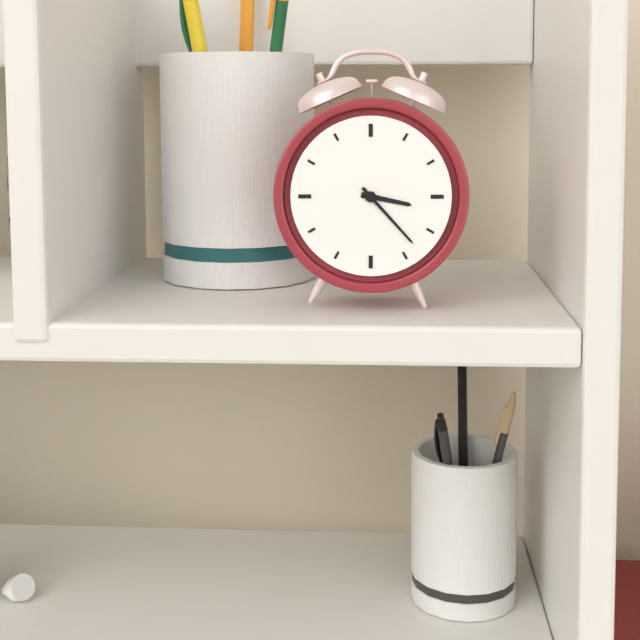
3:23
